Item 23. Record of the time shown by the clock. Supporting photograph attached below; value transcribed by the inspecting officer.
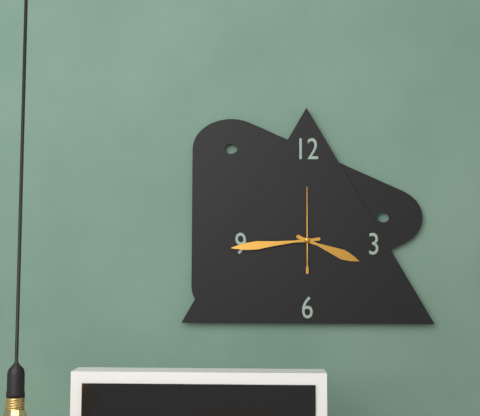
3:44:00
